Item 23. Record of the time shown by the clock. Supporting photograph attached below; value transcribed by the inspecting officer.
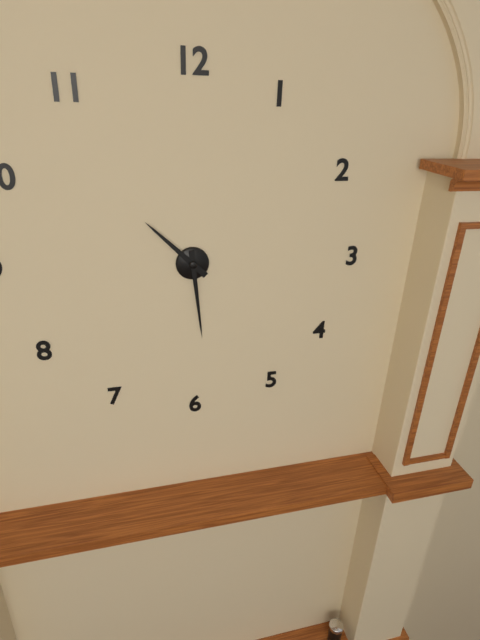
10:29
